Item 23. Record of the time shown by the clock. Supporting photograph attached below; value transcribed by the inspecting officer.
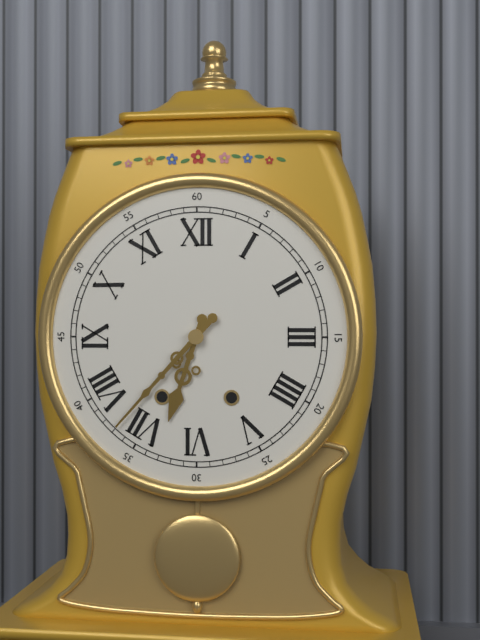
6:37
